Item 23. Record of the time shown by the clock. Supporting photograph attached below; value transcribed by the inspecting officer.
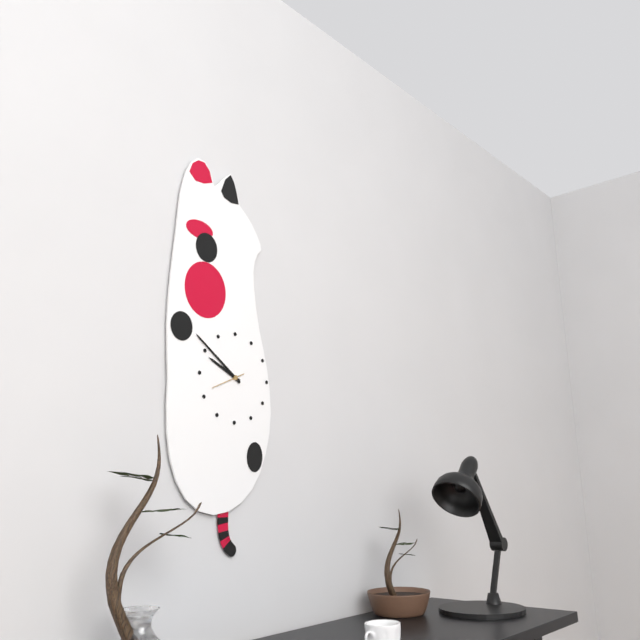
9:51
